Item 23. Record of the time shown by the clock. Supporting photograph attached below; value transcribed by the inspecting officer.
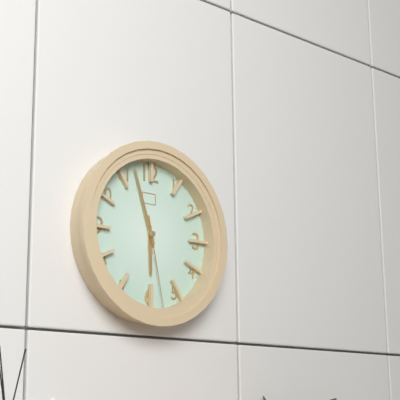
5:57:28
